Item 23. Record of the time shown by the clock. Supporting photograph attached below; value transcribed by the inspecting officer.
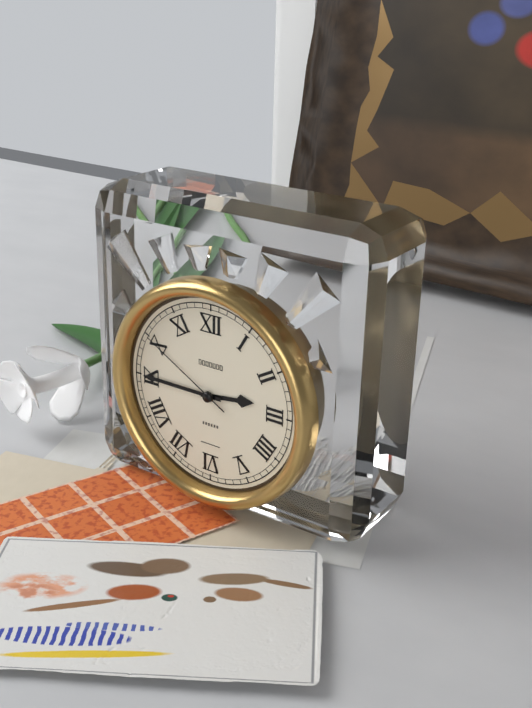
2:45:50
